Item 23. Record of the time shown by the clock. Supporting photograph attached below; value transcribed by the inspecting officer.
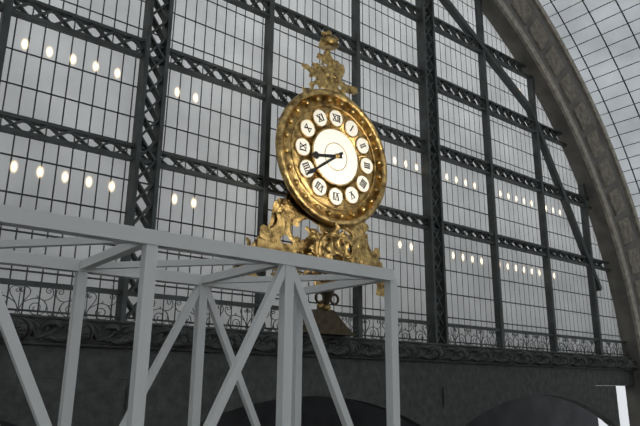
8:39
